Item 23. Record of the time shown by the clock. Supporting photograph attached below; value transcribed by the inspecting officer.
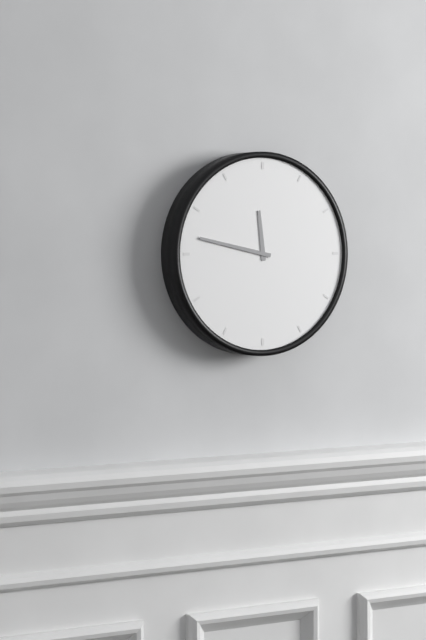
11:47
